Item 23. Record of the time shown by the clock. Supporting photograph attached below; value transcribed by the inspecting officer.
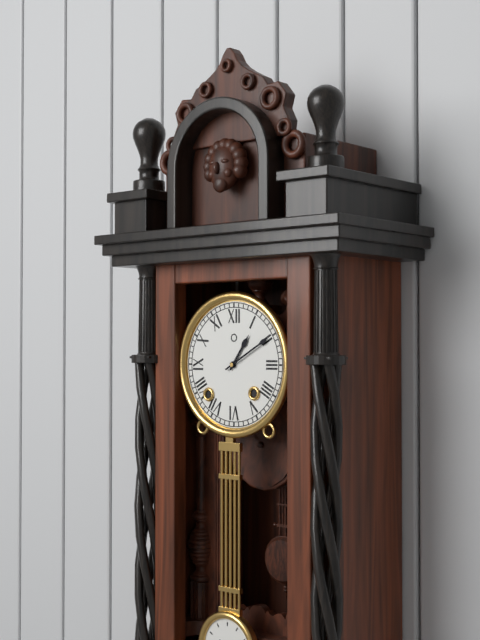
1:10
